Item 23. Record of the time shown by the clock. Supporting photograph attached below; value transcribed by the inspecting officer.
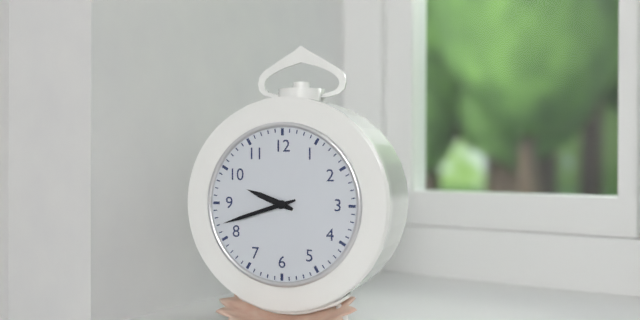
9:42
